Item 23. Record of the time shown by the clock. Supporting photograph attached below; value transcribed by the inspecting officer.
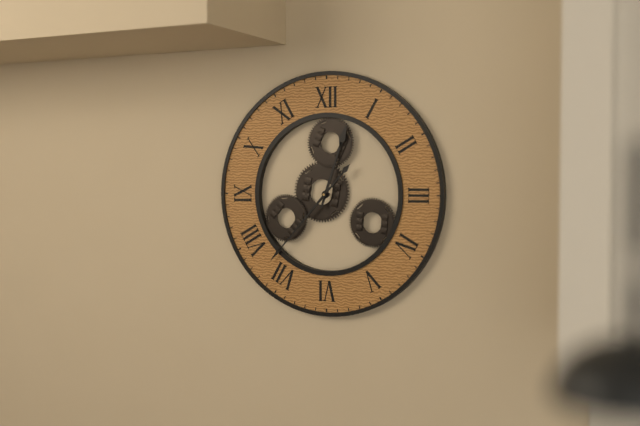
12:37
